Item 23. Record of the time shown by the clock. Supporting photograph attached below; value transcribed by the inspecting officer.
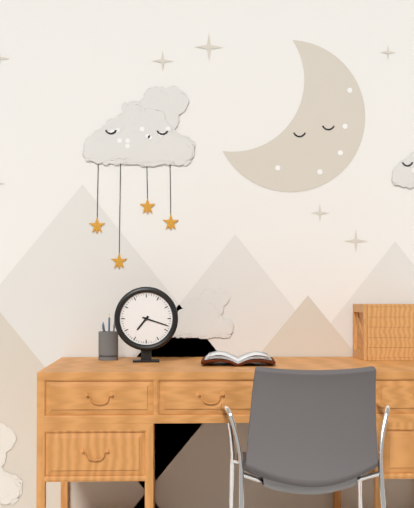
7:18
